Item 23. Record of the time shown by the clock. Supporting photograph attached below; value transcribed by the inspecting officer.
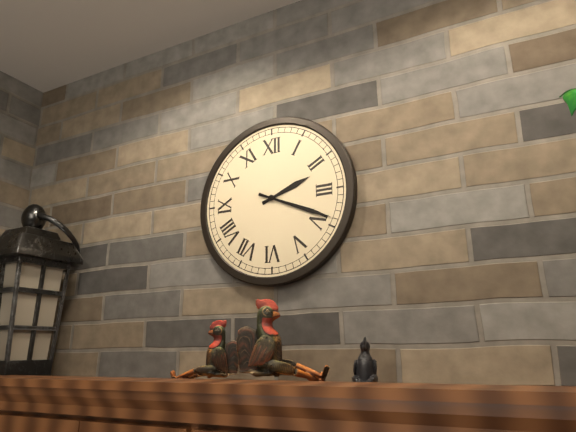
2:19
